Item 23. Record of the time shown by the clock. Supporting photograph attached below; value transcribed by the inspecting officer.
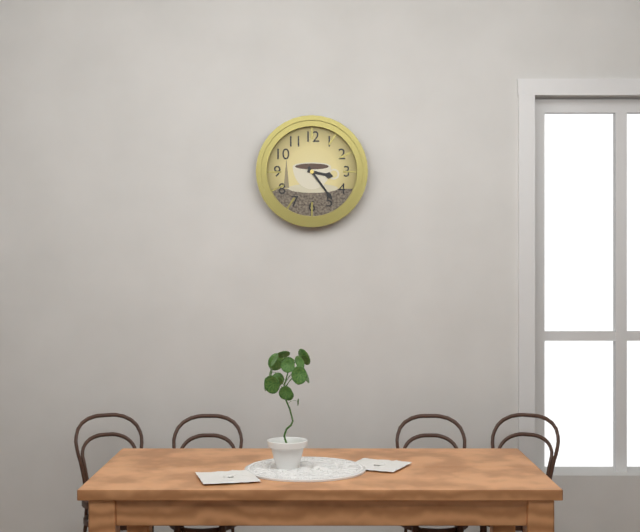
3:24
